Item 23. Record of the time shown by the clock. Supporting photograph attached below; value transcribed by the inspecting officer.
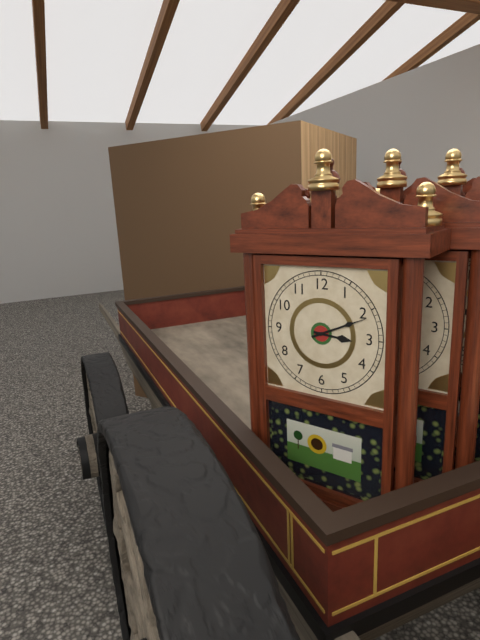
3:11
